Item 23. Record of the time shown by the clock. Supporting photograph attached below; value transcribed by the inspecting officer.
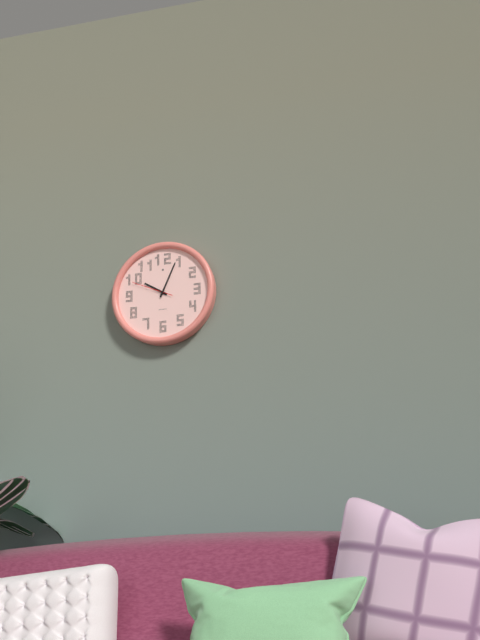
10:04
